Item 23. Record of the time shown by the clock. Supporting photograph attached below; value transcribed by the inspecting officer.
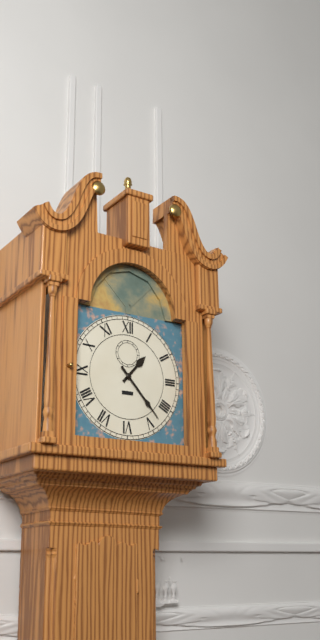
1:23
